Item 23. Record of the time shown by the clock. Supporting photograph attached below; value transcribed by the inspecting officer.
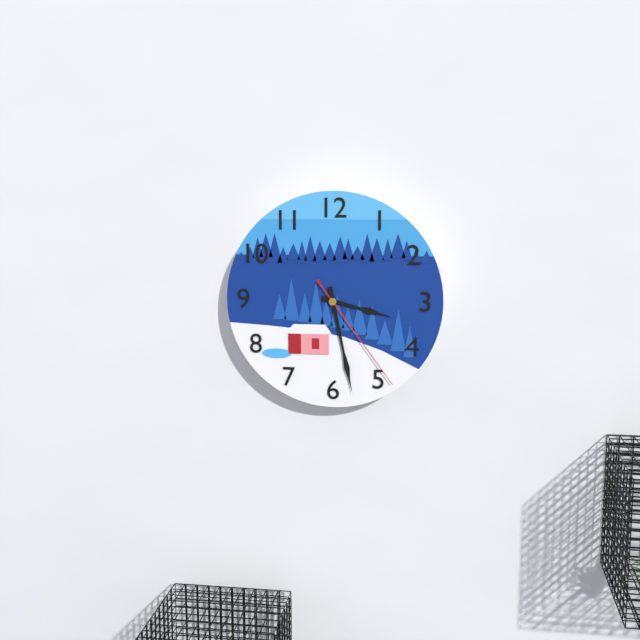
3:28:24
